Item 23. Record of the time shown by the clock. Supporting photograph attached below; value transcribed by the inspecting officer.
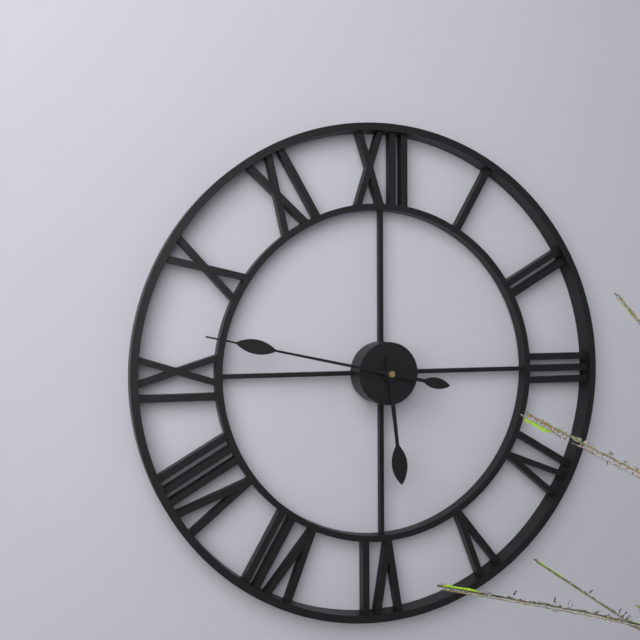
5:47
